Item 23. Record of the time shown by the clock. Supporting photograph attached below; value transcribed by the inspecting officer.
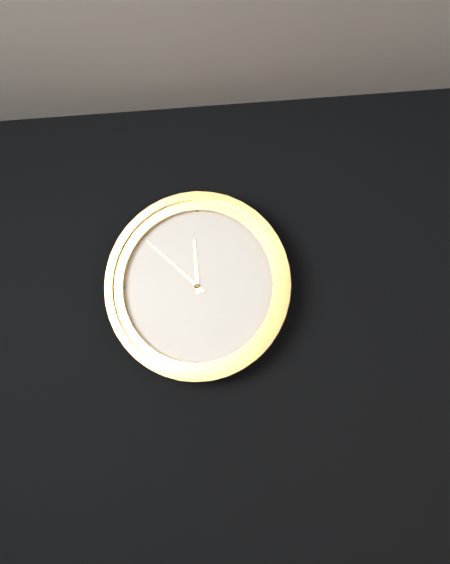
11:52
